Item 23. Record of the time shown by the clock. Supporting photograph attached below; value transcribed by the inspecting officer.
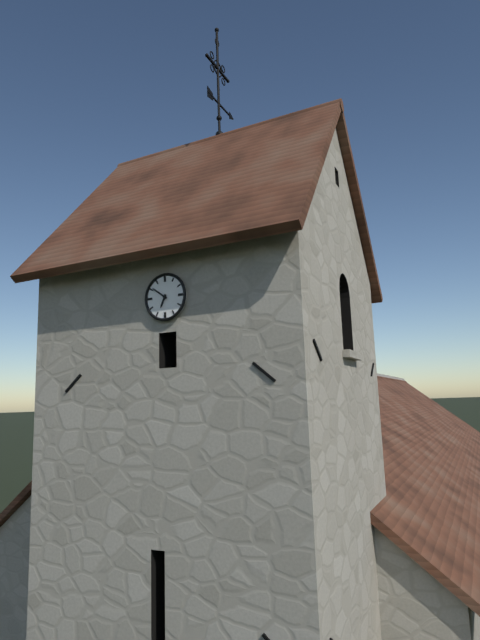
6:51
